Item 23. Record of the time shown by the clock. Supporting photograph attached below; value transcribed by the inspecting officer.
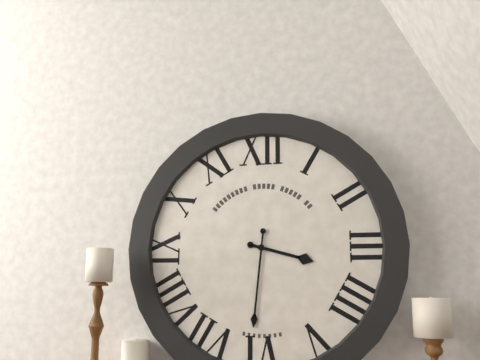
3:31
